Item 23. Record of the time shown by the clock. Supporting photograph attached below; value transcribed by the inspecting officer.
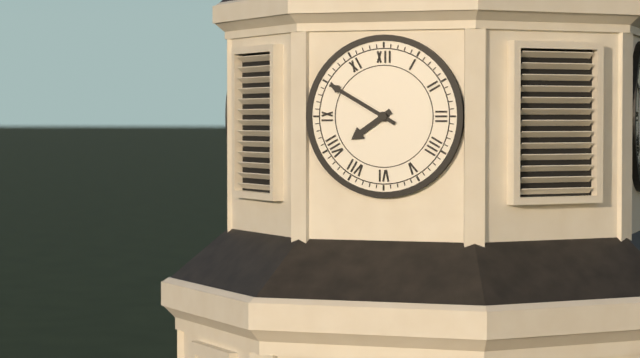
7:50
